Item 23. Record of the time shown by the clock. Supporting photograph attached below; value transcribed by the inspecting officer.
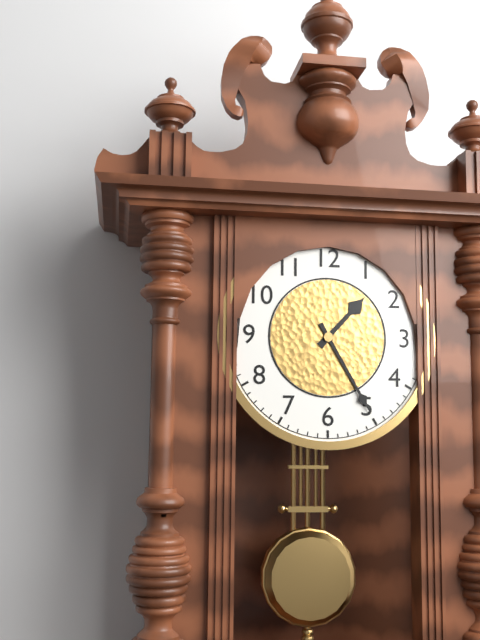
1:25
